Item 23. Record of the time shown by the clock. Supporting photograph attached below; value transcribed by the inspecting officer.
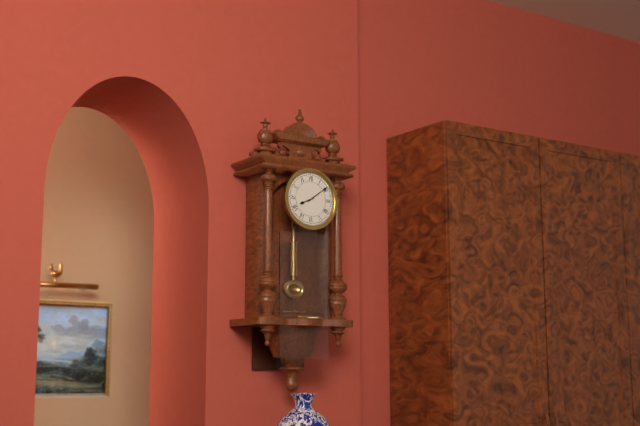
8:09
